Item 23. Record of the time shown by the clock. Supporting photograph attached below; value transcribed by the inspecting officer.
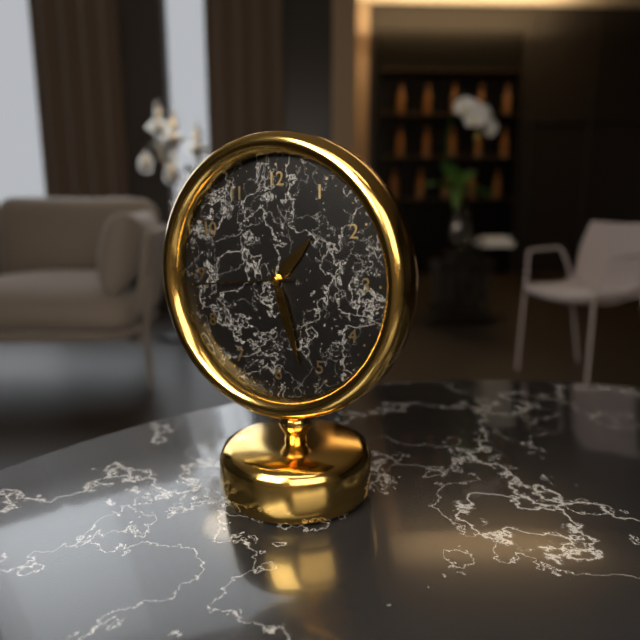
1:27:44
